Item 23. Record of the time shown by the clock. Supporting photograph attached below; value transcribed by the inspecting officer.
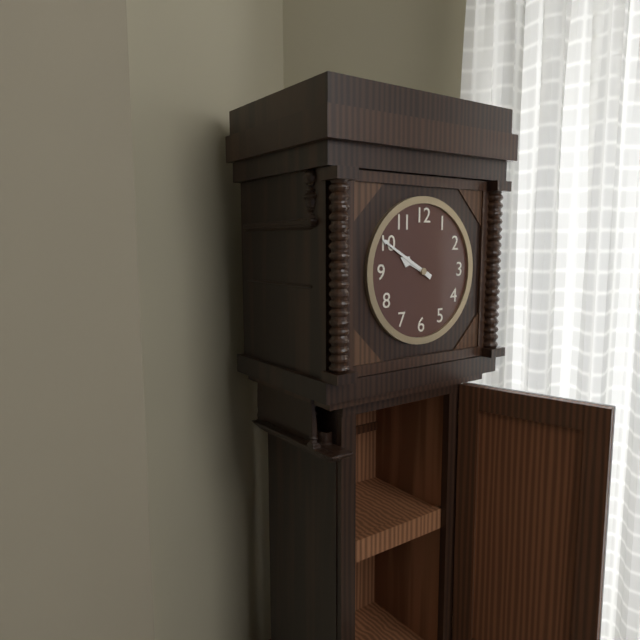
9:50
